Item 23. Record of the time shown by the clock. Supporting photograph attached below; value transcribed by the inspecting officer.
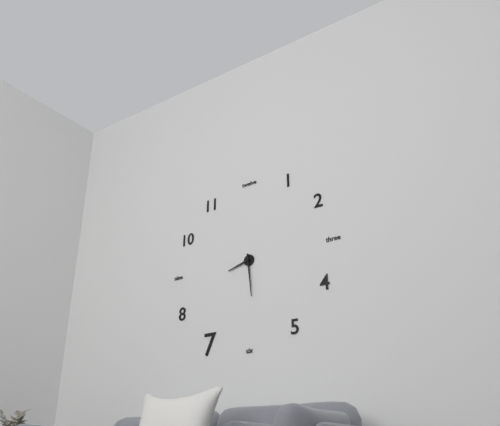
8:29
